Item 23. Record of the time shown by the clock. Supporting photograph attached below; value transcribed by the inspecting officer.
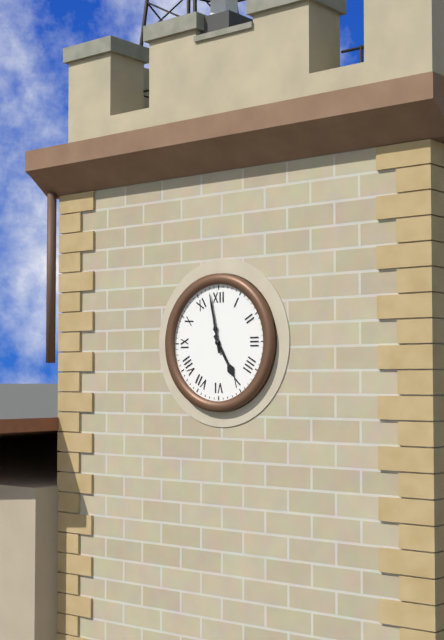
4:58
